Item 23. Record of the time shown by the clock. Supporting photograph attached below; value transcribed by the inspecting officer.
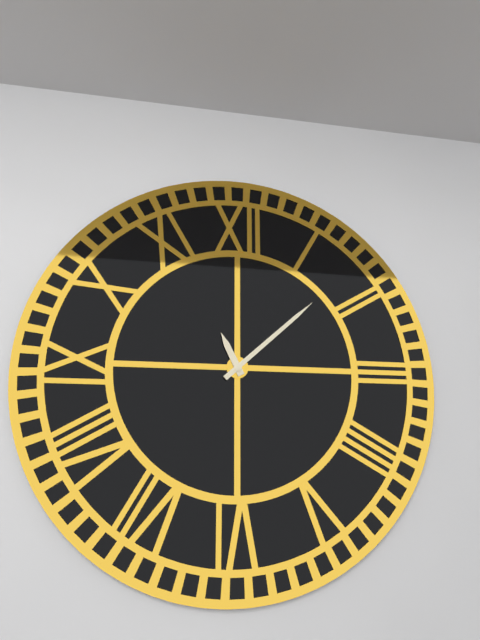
11:08
